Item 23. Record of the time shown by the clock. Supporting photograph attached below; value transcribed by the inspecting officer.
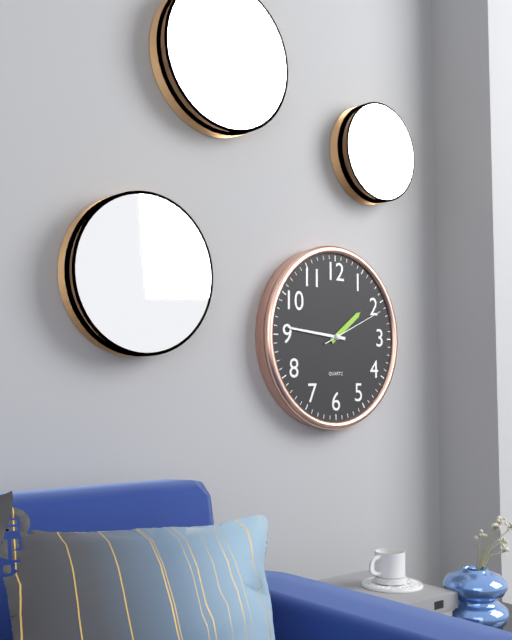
1:46:11
